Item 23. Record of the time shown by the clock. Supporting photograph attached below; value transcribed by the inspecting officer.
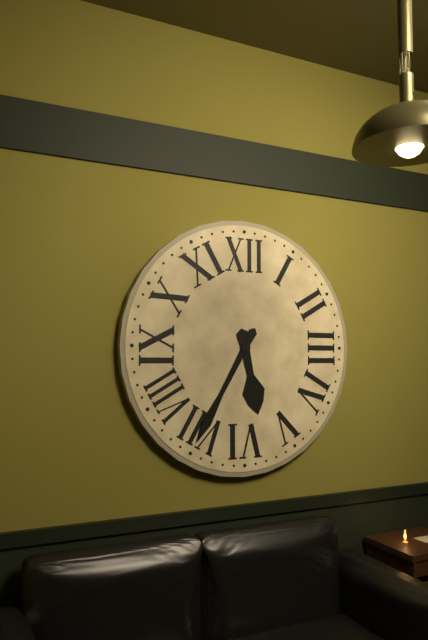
5:35
